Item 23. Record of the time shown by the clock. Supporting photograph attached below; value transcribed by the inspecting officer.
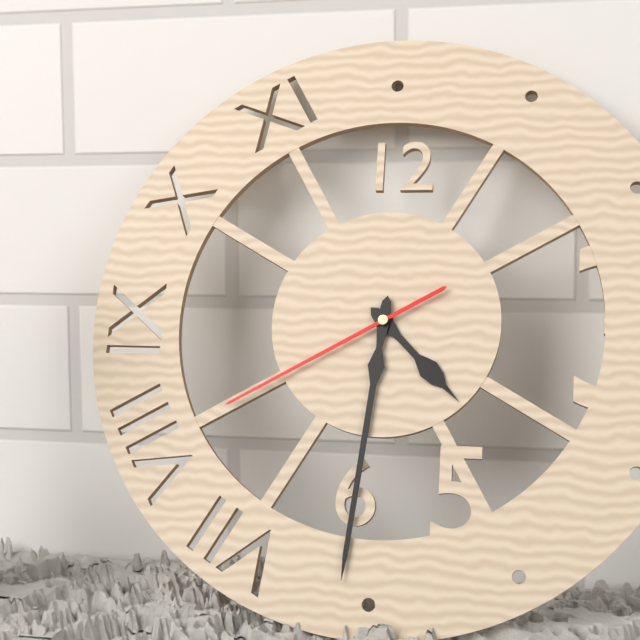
4:31:40
